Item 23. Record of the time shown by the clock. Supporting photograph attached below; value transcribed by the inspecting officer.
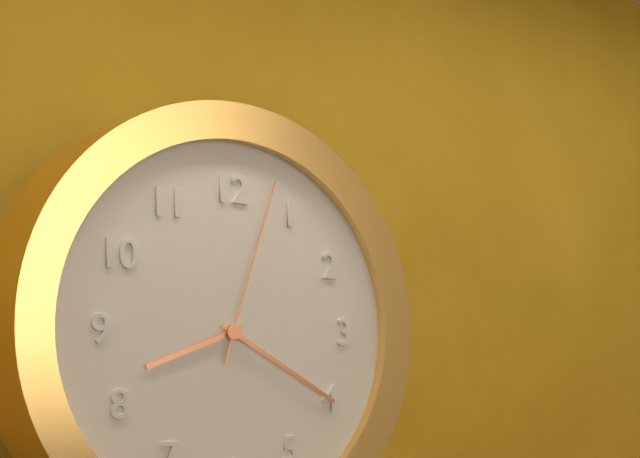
8:20:03
